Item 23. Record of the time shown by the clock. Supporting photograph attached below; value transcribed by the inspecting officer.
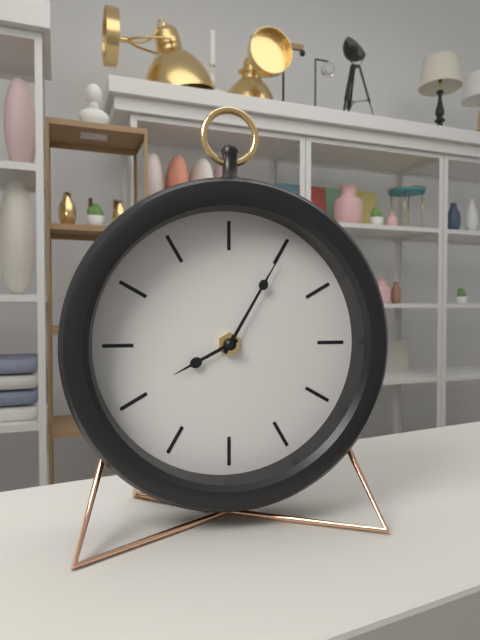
8:05
